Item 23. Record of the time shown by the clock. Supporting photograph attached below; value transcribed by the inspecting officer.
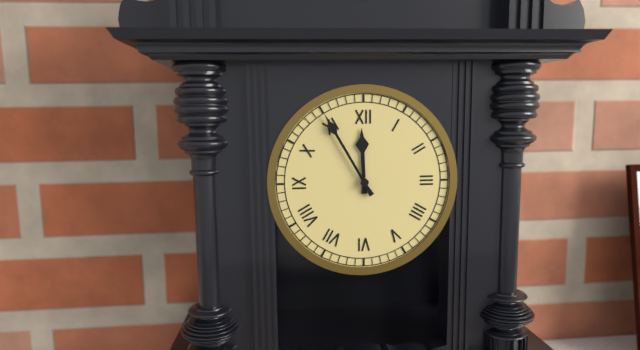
11:55
